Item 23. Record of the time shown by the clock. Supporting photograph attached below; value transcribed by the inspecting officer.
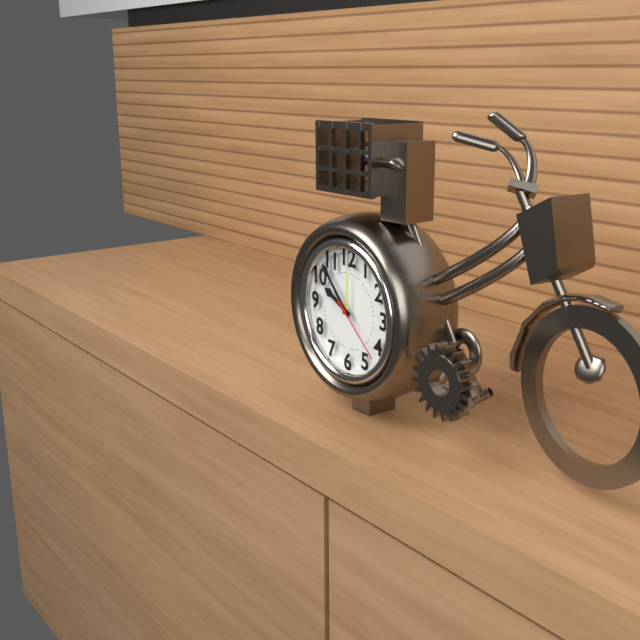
9:53:22
